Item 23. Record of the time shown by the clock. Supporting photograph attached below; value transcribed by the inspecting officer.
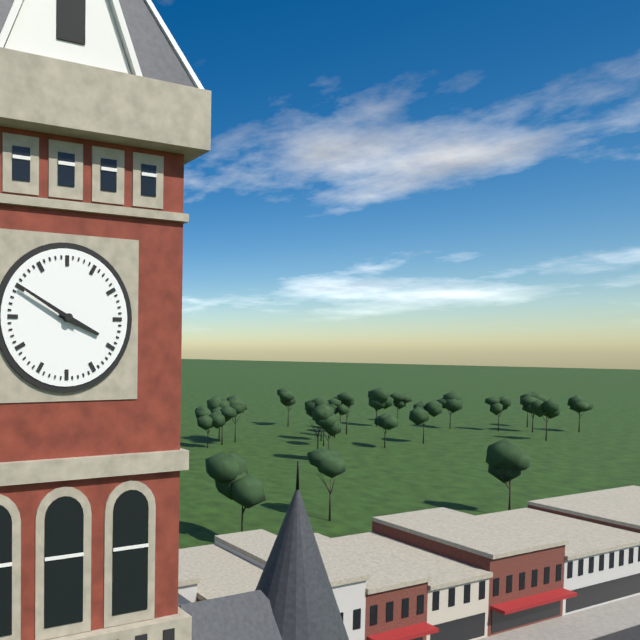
3:50
